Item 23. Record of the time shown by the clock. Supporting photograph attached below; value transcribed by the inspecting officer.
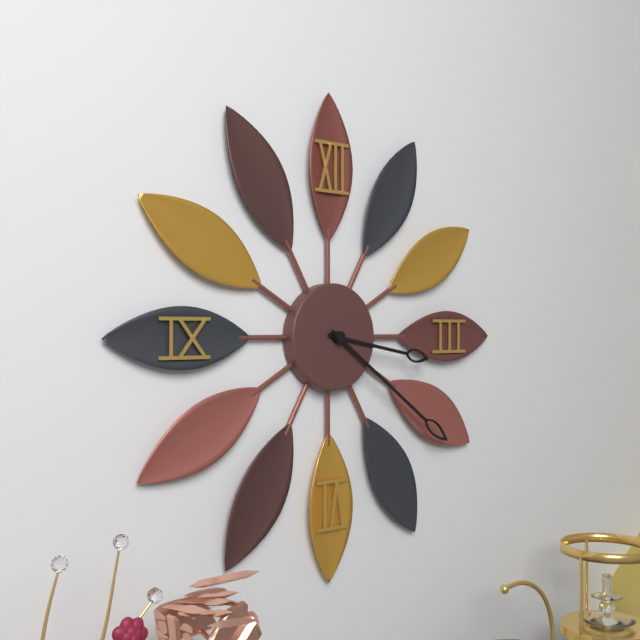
3:21
